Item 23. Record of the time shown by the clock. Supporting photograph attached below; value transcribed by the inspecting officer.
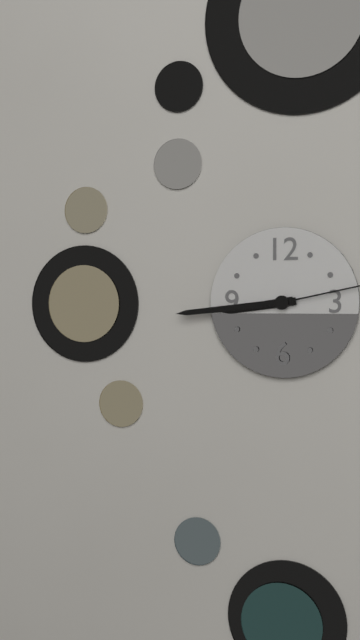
8:44
